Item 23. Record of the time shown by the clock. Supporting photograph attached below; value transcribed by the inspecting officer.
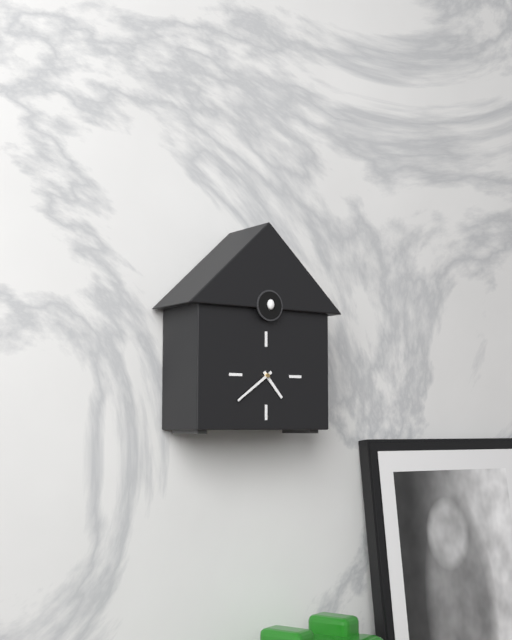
4:39
